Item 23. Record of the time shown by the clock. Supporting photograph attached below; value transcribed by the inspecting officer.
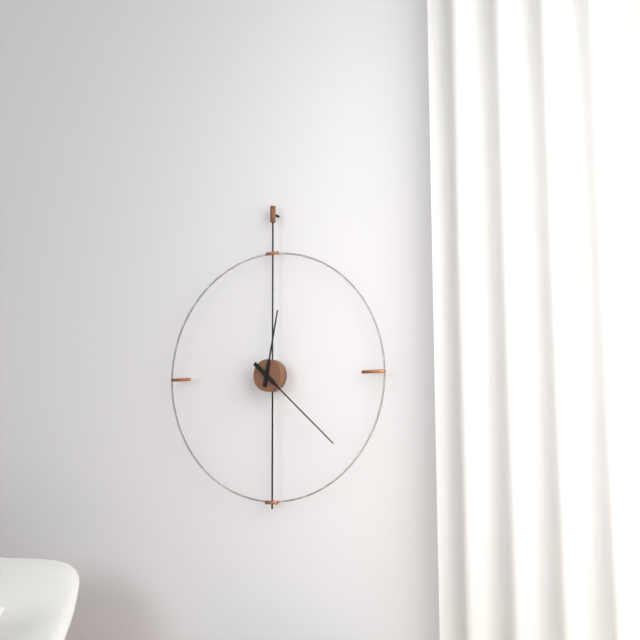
12:22
